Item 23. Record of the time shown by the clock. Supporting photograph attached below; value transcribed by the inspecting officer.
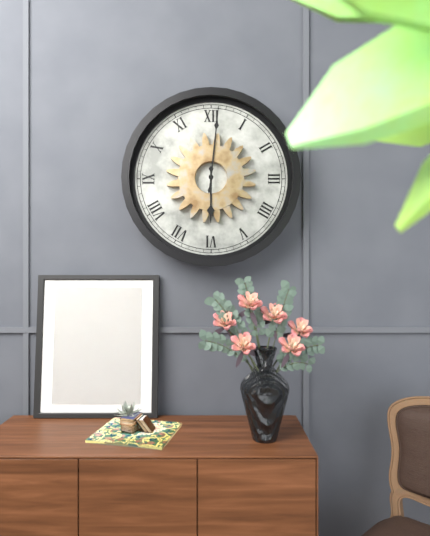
6:01
